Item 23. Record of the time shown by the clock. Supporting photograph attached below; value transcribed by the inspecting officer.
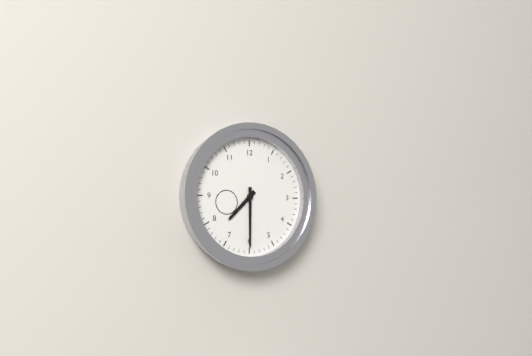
7:30
